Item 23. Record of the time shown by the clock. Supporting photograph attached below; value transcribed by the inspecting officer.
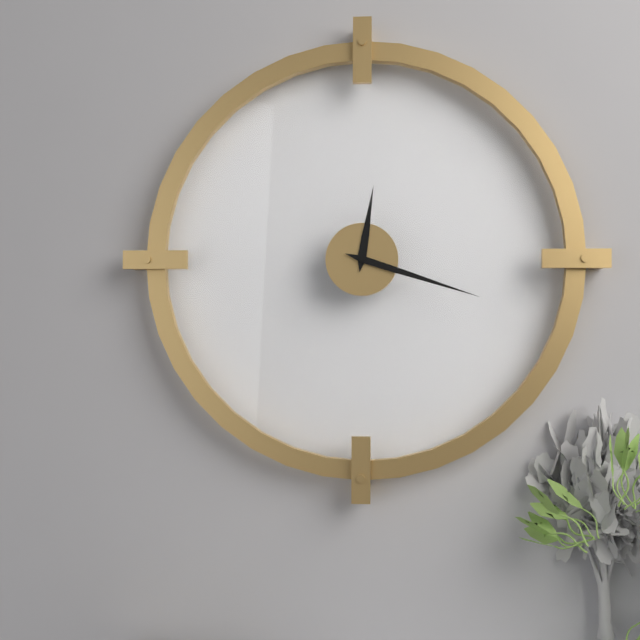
12:18
